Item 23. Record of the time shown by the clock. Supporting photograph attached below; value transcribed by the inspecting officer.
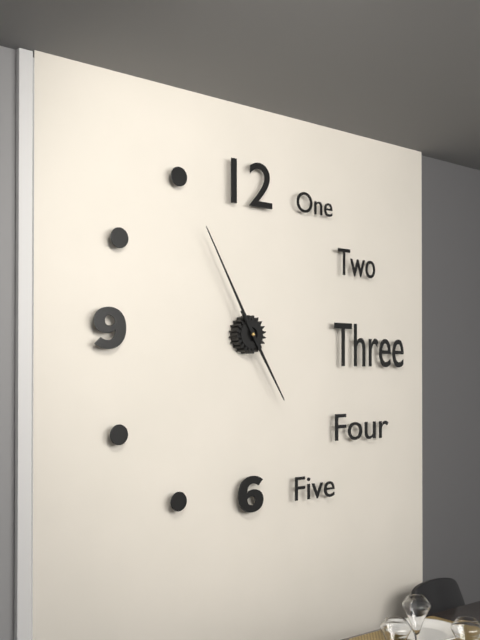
4:55
